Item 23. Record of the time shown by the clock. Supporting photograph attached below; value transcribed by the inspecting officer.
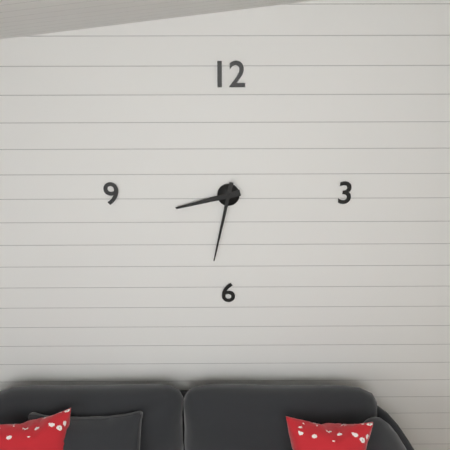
8:32
